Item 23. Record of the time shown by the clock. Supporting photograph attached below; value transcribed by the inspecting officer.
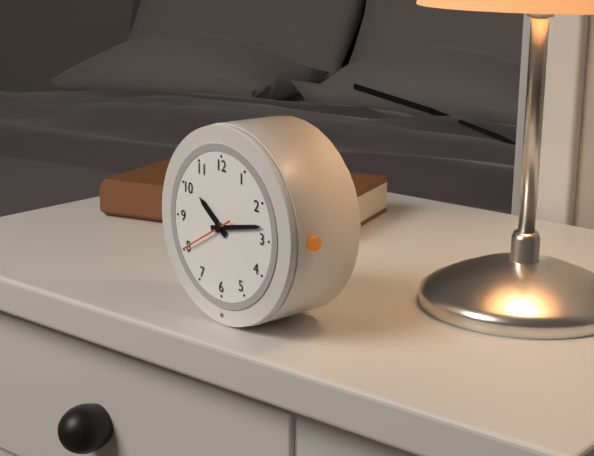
10:13:40
